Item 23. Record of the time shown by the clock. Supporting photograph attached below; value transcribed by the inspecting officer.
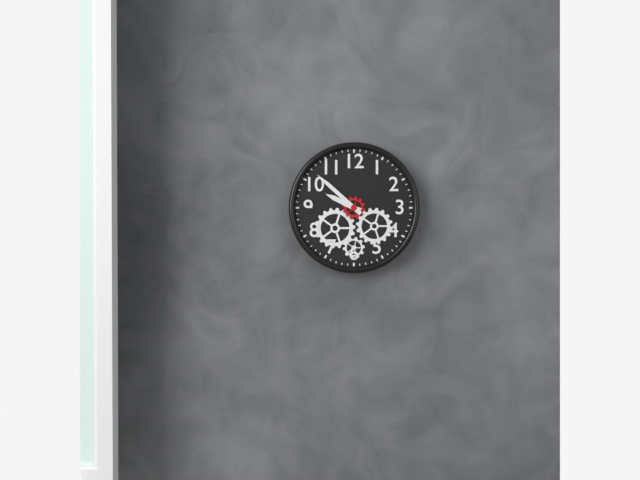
9:52
